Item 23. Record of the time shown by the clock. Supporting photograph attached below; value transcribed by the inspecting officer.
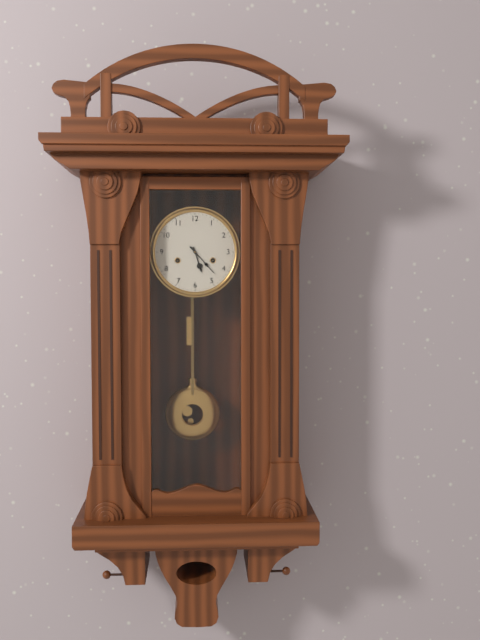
5:23
